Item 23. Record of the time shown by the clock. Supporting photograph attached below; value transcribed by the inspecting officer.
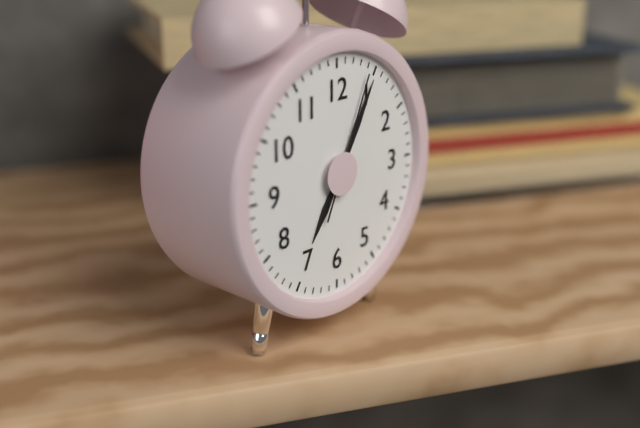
7:05:04
